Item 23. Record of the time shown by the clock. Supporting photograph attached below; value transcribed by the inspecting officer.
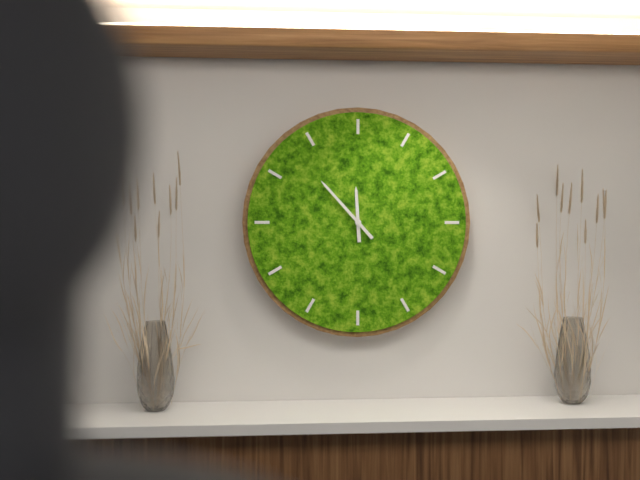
11:53
